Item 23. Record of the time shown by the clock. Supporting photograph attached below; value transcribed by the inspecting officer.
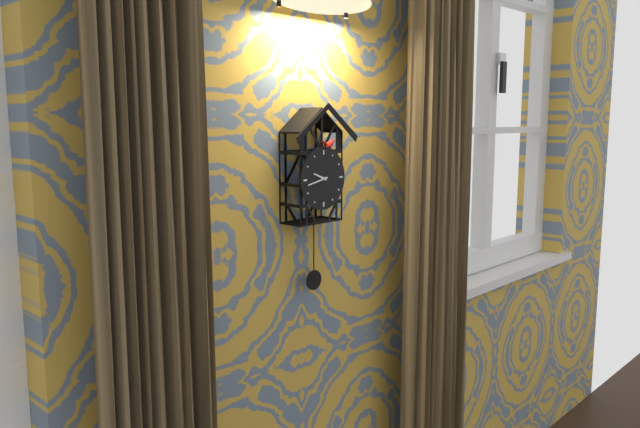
9:43
